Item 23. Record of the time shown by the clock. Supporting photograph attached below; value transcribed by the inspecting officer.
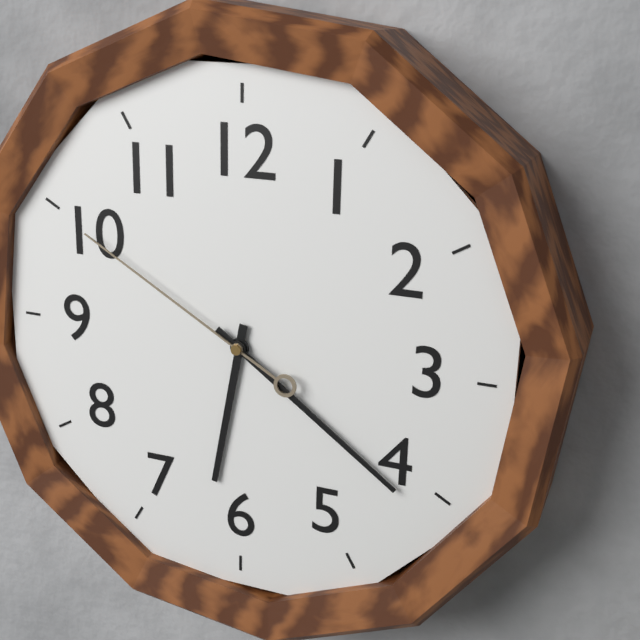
6:21:50
